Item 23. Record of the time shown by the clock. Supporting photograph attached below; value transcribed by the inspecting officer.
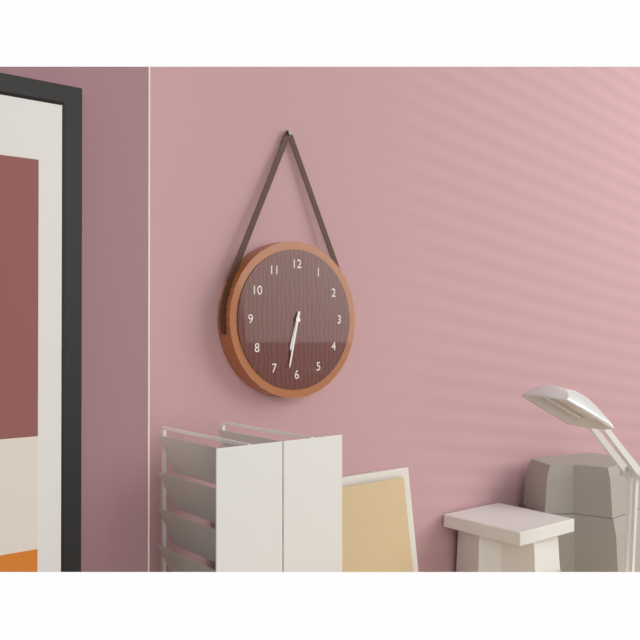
6:32
